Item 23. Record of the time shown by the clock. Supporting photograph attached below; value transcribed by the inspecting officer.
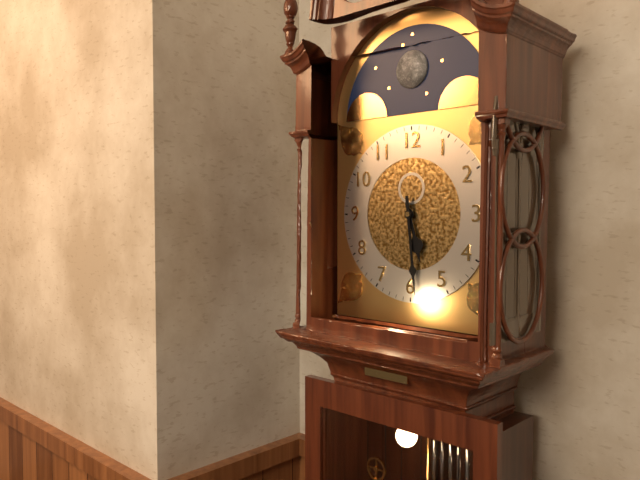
5:29
